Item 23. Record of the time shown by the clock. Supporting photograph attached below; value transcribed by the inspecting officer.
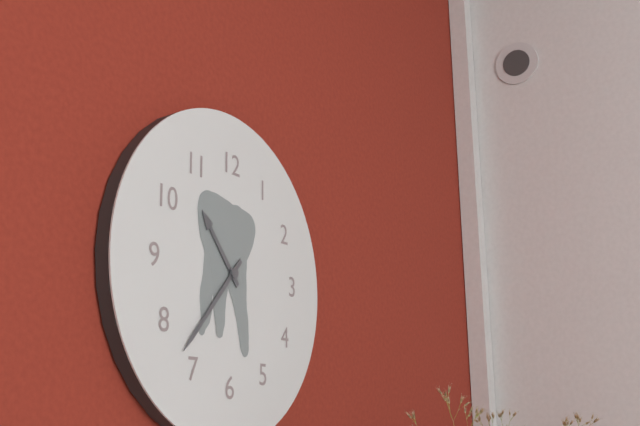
10:37
